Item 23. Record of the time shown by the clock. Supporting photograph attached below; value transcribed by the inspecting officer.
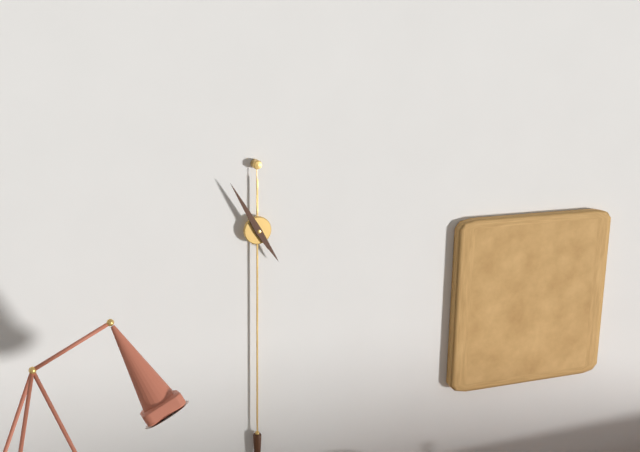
4:55
